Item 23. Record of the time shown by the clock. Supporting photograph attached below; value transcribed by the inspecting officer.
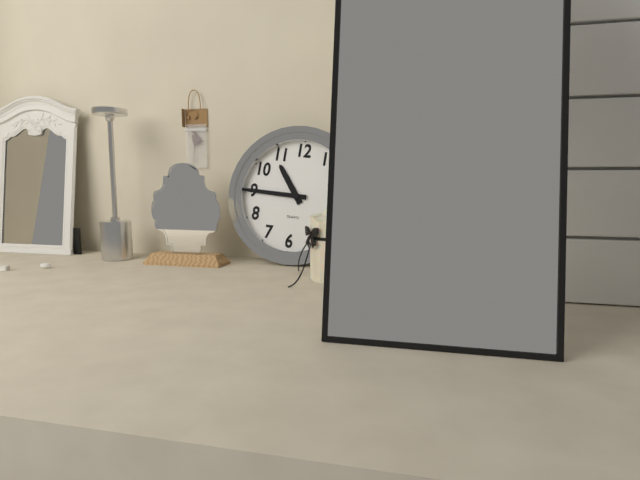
10:45
